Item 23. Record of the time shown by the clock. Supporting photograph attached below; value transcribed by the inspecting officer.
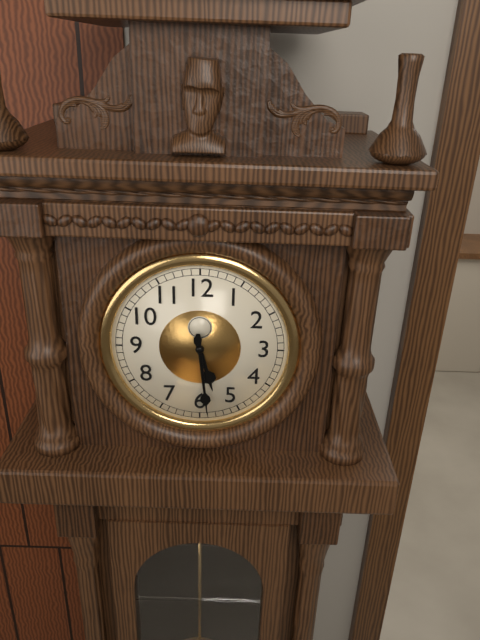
5:29
